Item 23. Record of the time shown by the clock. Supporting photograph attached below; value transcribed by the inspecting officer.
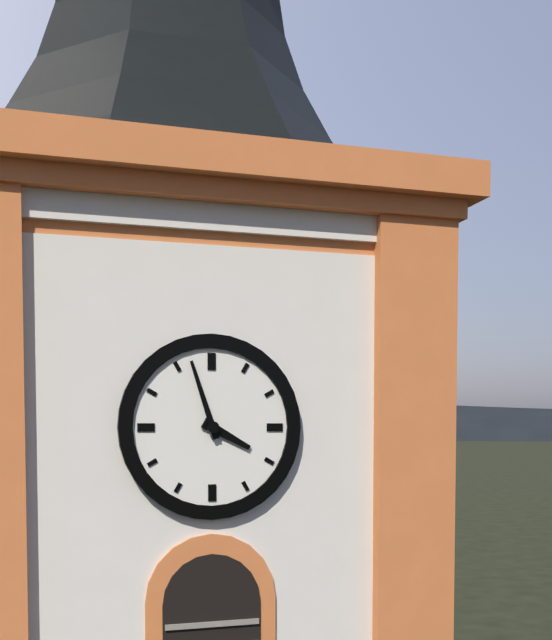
3:57
